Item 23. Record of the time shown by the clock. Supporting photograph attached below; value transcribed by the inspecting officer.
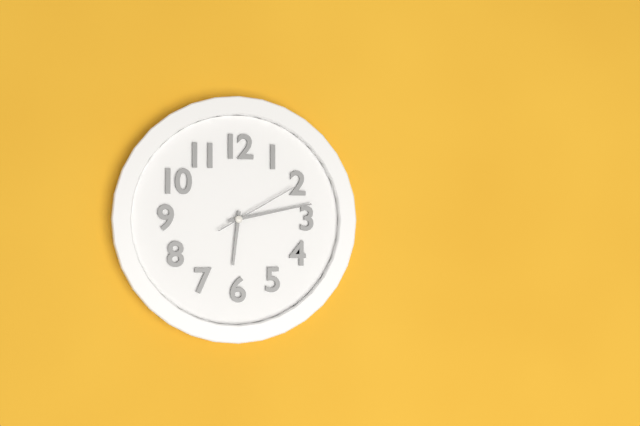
6:13:10
